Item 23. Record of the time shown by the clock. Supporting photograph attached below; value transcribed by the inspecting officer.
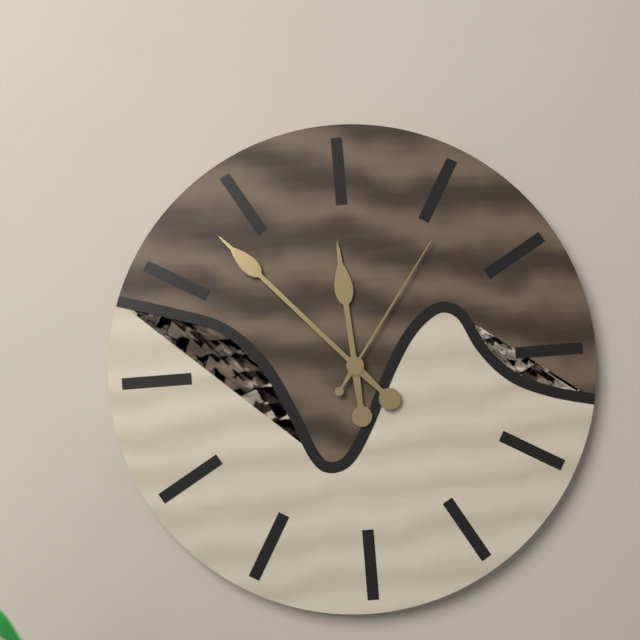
11:53:06
